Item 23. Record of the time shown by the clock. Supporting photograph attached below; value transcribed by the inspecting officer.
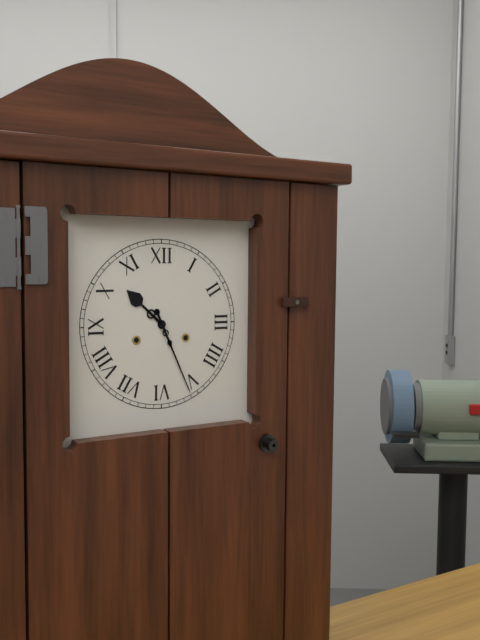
10:26
